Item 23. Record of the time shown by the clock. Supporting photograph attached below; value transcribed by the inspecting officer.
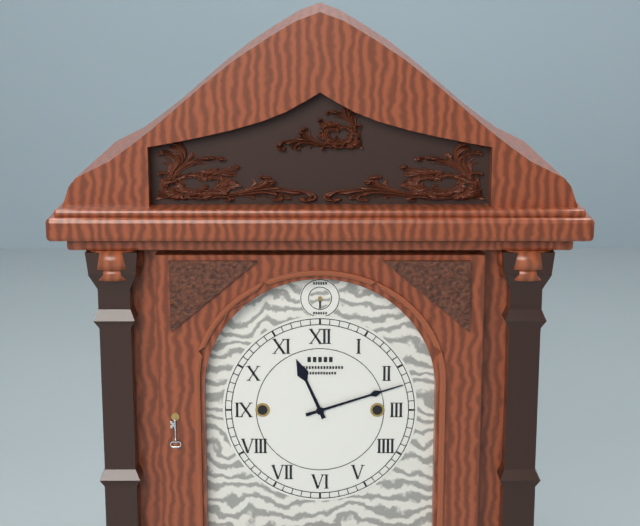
11:12
